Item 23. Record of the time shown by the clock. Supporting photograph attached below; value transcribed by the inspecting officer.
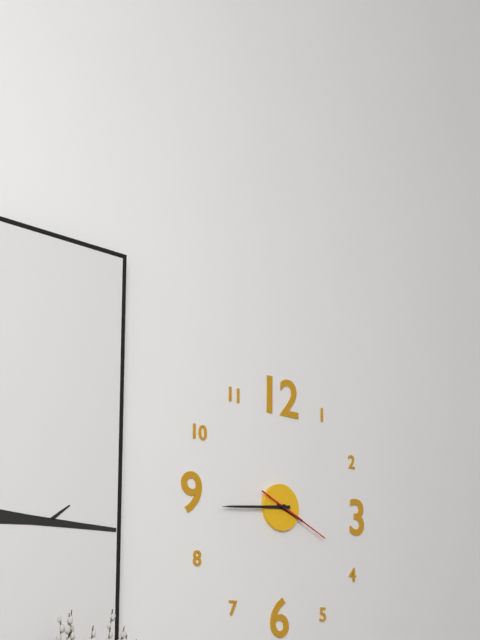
3:44:19
